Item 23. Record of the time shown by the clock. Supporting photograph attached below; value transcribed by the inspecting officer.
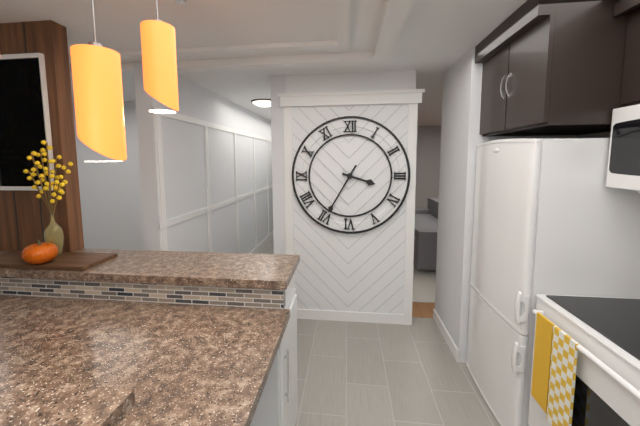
3:35
